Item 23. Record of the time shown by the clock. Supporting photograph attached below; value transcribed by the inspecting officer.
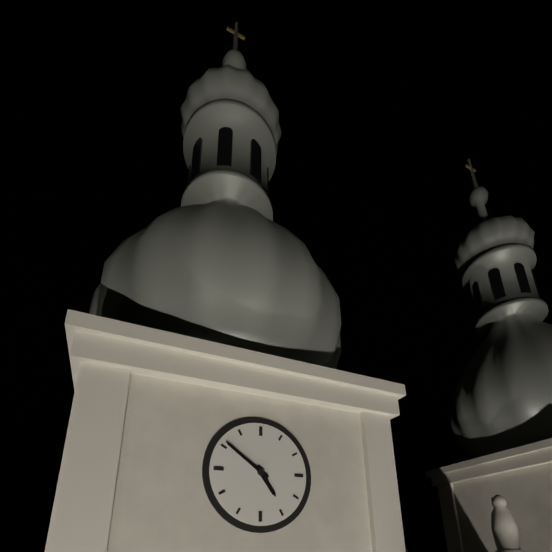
4:51
